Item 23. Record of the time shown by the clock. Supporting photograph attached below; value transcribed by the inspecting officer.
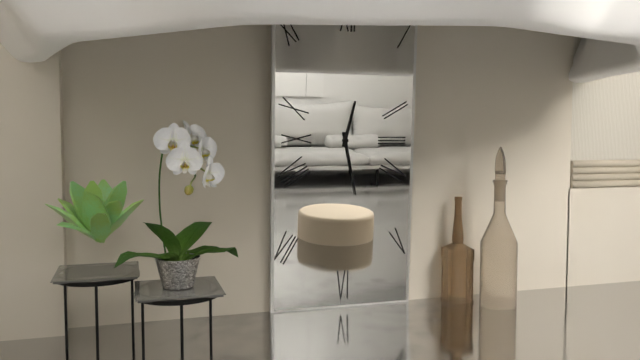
12:28
